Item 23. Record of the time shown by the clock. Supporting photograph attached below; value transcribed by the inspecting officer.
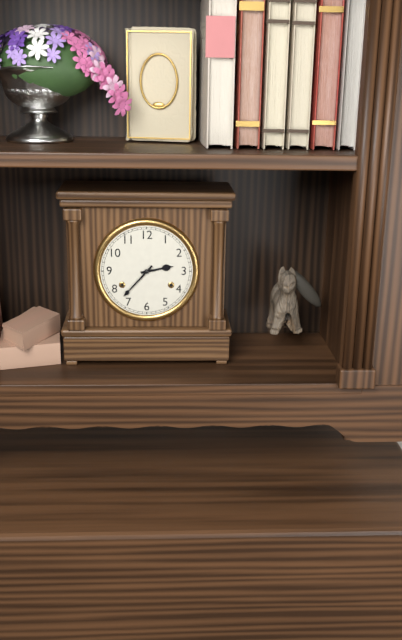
2:37
